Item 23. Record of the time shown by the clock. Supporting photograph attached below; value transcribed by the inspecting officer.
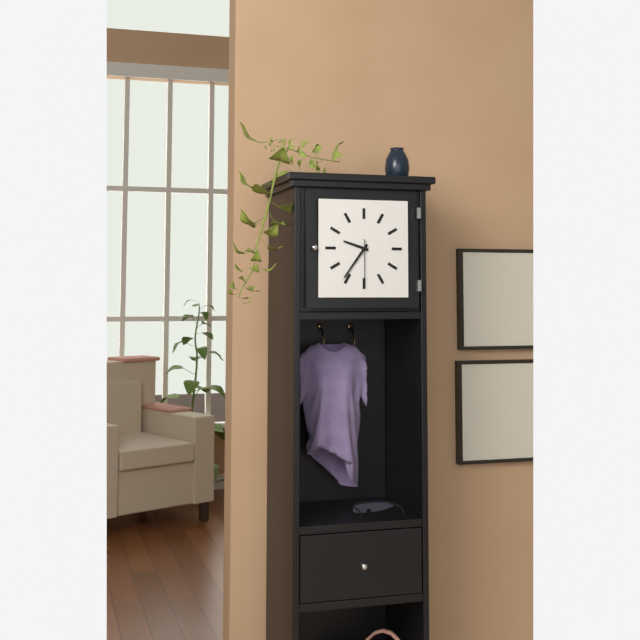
9:36
